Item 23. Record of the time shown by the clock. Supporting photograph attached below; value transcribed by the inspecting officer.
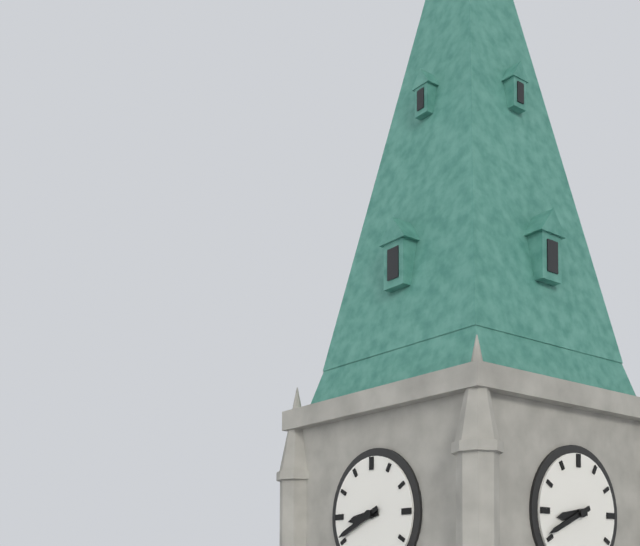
8:41
